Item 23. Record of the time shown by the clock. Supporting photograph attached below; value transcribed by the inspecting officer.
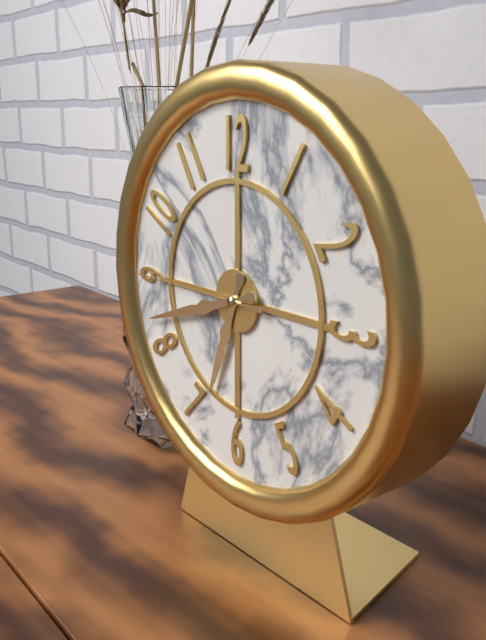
6:42:45
